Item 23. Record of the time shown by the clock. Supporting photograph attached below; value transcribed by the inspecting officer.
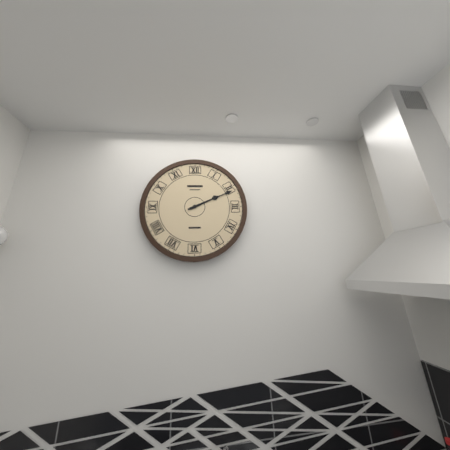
2:11
